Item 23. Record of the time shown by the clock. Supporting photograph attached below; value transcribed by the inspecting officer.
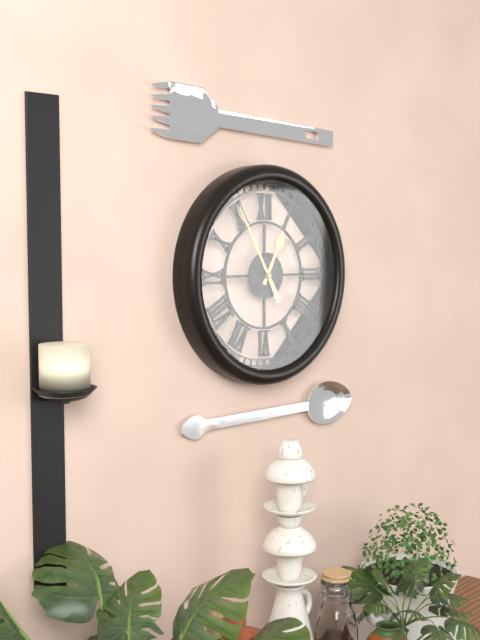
12:55
